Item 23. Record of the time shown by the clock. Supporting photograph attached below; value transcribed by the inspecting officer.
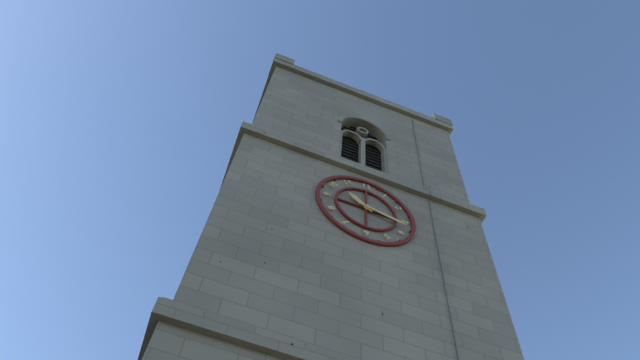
10:17
